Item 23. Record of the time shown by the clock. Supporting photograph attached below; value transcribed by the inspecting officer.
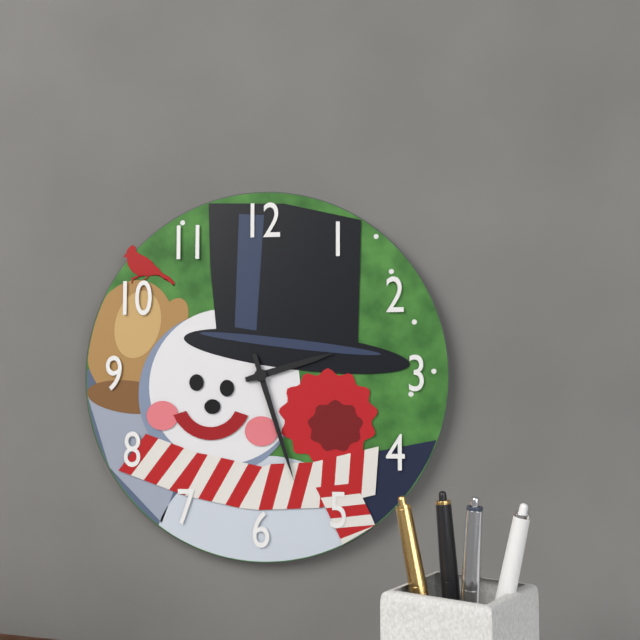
2:27
